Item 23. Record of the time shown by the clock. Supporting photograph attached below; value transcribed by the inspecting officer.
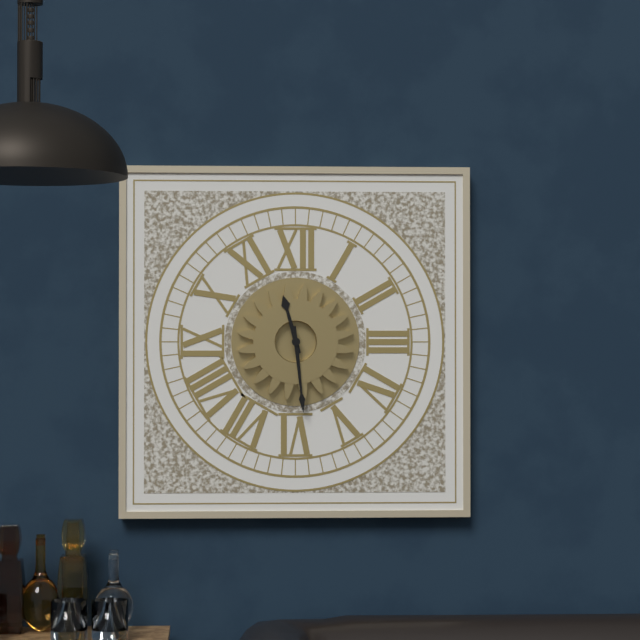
11:29
